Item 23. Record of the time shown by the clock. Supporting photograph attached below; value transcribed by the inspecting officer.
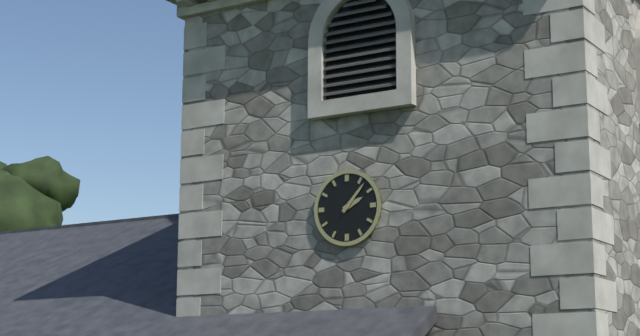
2:07
